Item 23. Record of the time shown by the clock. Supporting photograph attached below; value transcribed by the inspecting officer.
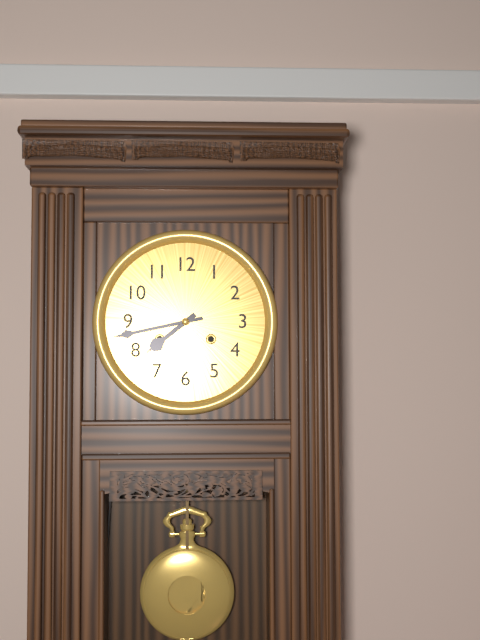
7:43
